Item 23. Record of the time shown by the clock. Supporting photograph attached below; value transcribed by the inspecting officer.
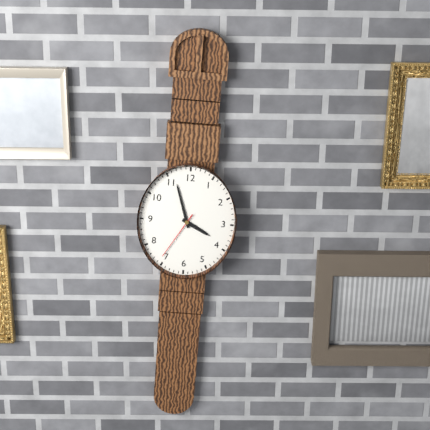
3:57:35
